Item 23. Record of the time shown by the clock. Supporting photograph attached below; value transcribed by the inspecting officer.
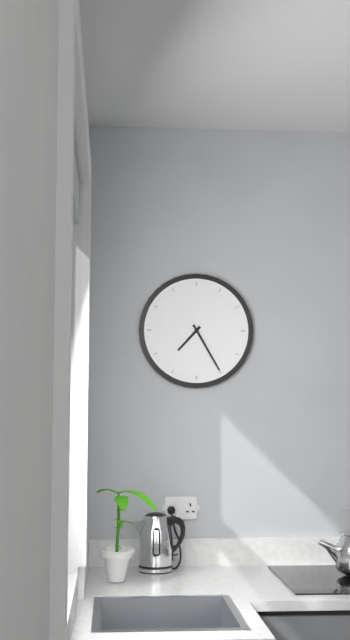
7:25
